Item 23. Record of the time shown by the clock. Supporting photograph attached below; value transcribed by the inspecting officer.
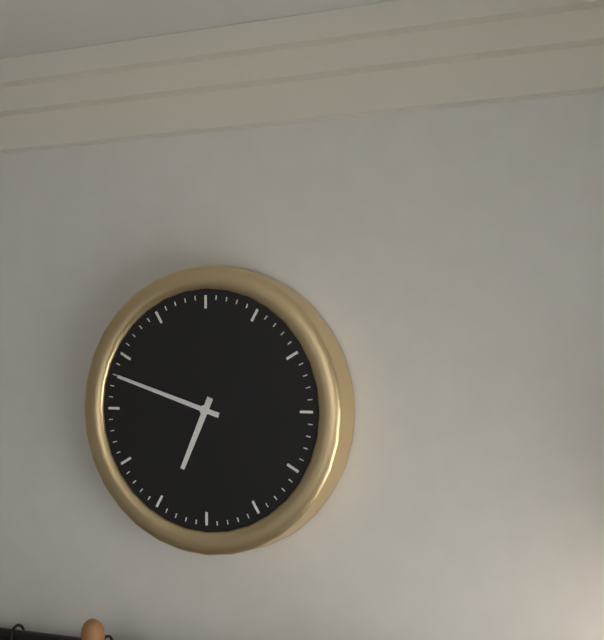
6:48
